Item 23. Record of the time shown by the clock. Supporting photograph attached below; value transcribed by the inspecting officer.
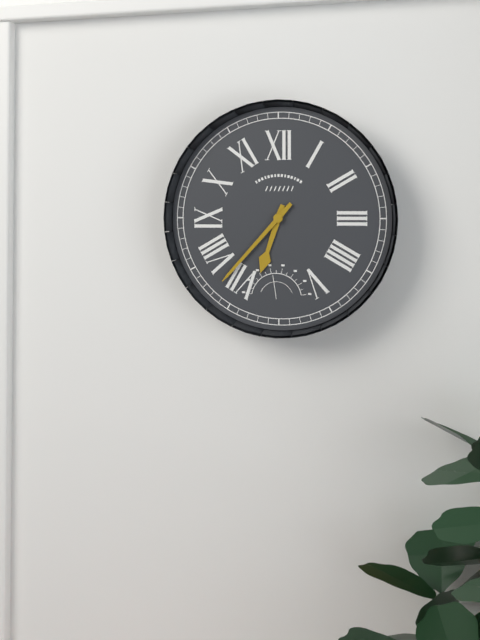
6:37
